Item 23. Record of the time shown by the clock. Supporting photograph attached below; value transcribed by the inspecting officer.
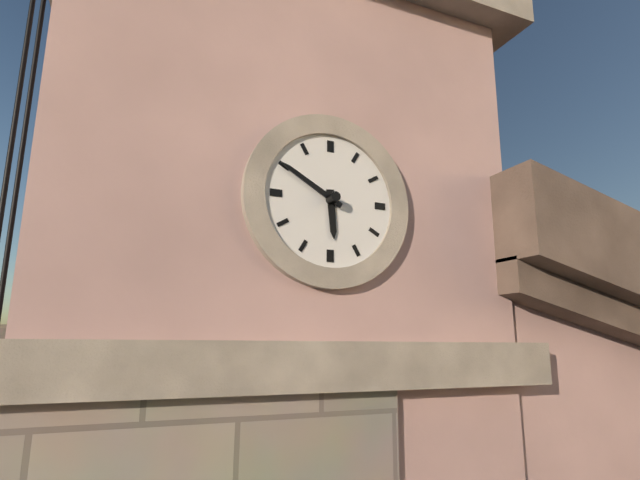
5:50
